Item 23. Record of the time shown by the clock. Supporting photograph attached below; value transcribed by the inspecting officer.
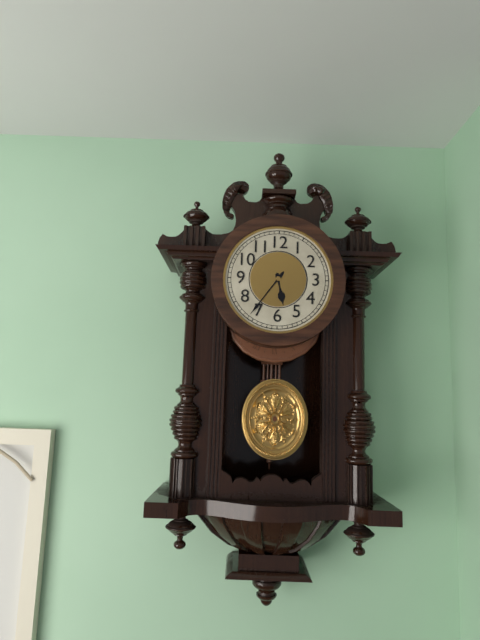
5:36
